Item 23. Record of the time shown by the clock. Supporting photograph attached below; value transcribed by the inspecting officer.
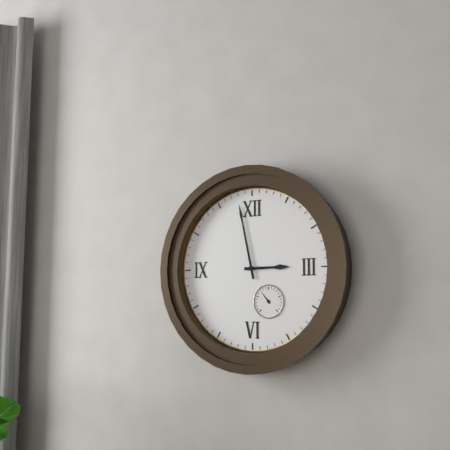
2:58
